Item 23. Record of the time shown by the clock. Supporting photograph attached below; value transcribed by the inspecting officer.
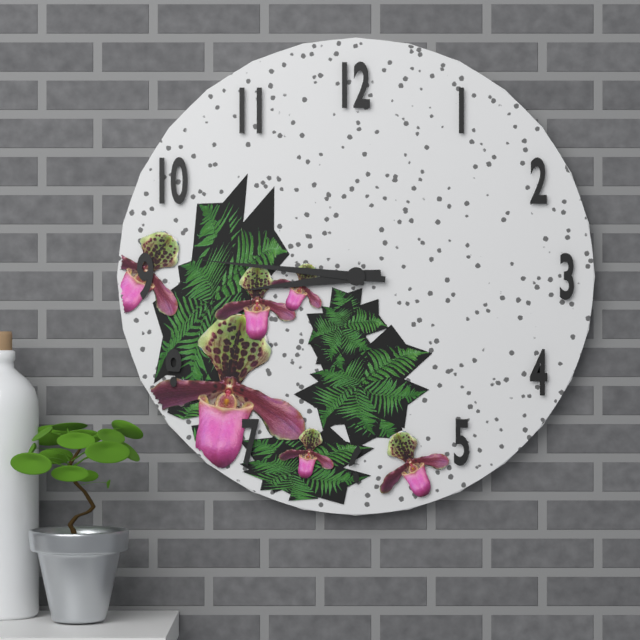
8:46
